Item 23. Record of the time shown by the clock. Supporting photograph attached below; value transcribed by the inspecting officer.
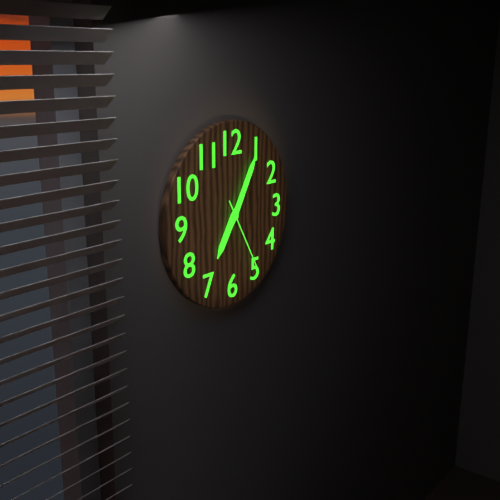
7:05:25
